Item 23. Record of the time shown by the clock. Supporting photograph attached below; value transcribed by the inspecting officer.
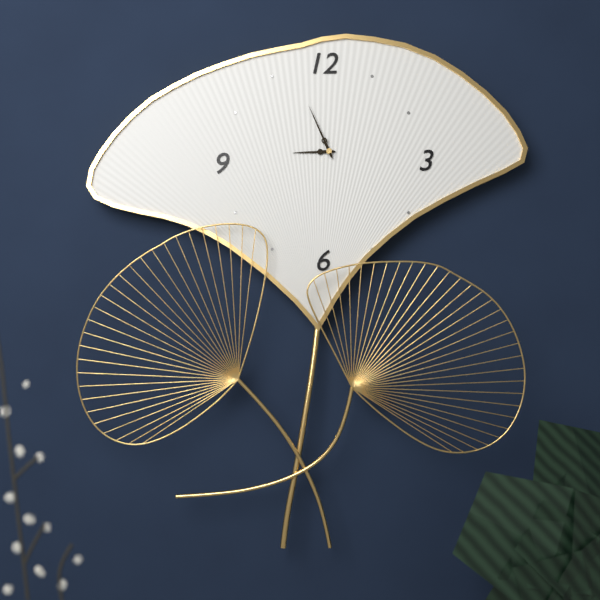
8:56
